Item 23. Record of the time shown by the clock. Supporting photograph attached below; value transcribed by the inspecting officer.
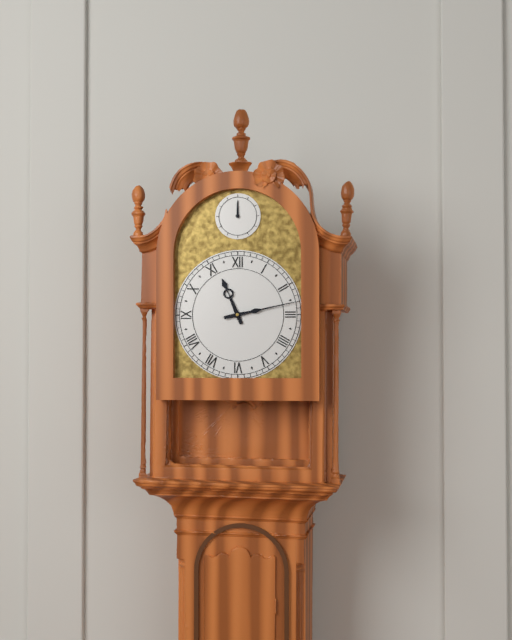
11:13
